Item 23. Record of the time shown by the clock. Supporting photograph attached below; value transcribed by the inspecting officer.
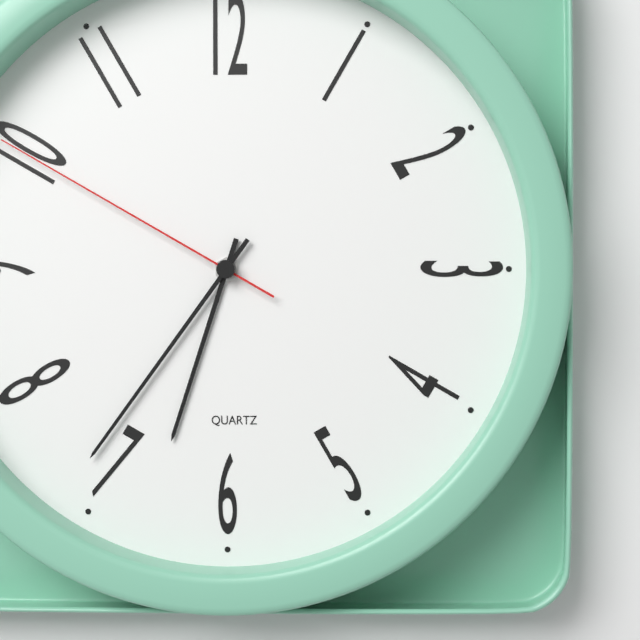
6:36:50
